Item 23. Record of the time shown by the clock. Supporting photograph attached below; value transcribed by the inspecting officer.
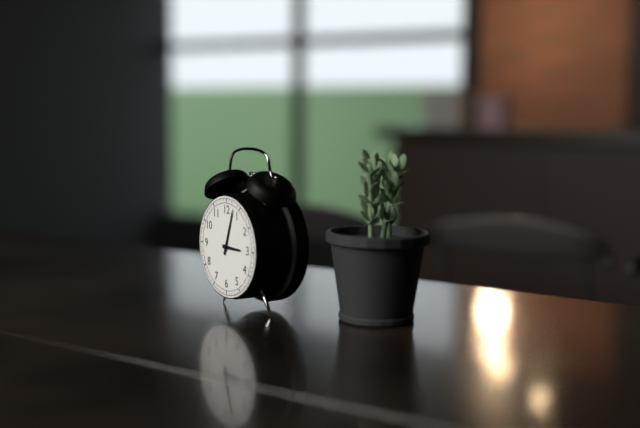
3:03
